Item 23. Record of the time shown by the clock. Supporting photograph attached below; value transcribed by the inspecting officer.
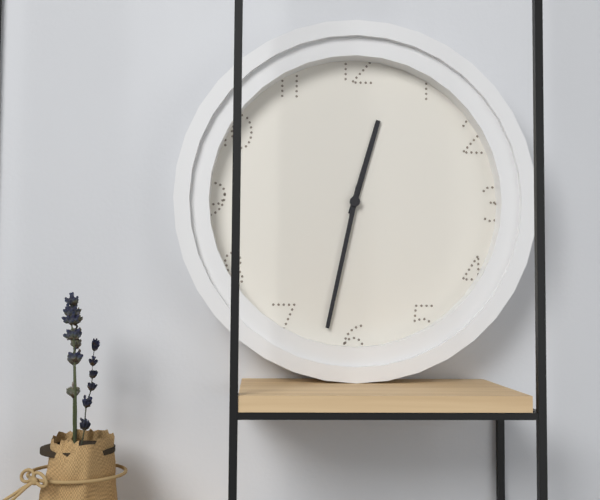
12:32
